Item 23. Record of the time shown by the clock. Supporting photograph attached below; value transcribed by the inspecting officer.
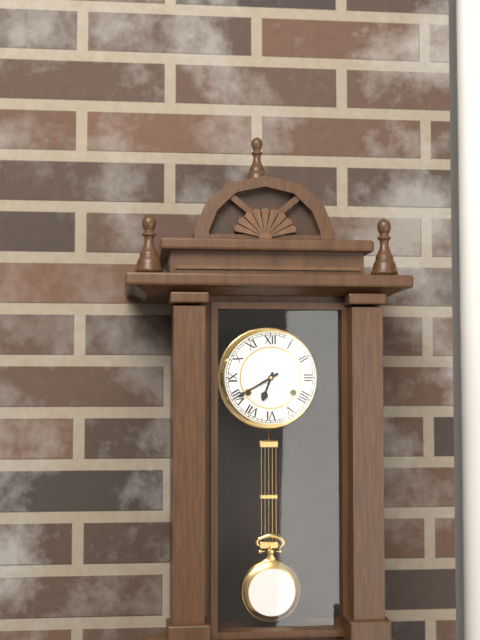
6:40
